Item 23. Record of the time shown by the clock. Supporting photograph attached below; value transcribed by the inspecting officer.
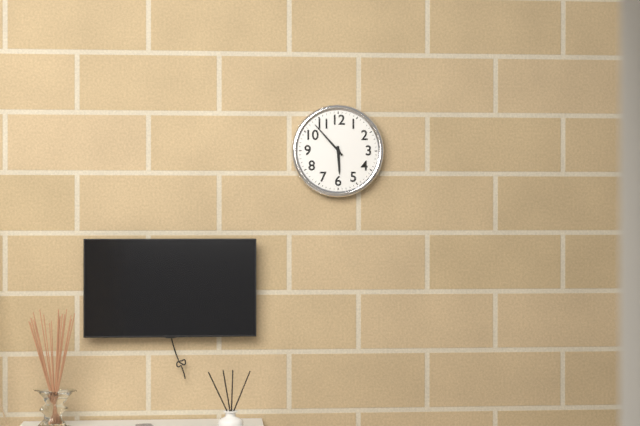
5:53
